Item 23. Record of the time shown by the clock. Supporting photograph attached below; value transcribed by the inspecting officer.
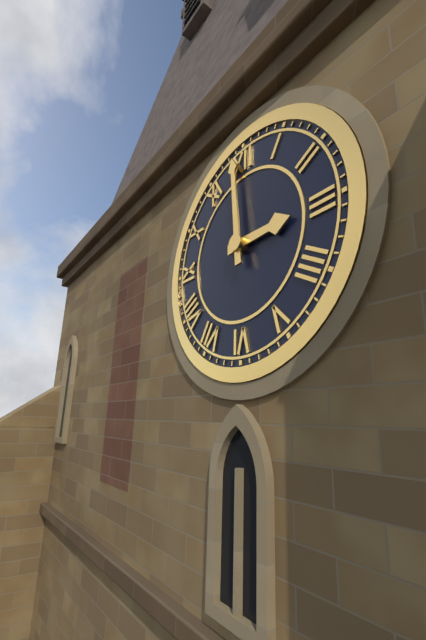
2:59
